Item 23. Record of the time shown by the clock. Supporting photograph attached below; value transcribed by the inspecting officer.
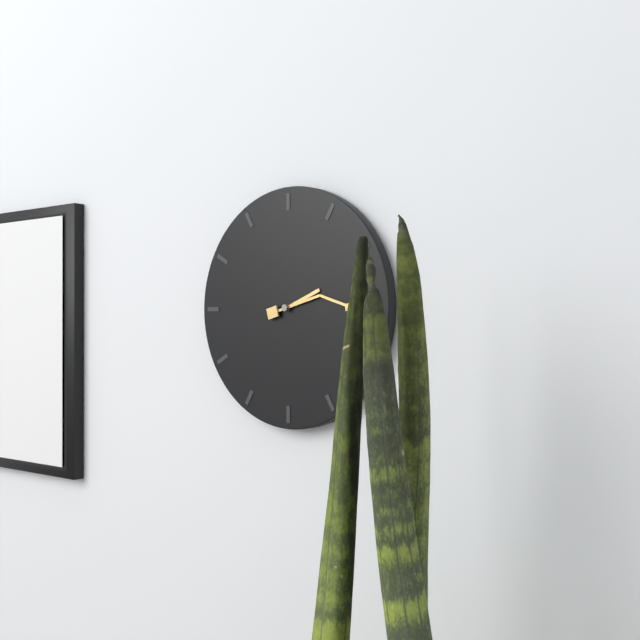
2:15
